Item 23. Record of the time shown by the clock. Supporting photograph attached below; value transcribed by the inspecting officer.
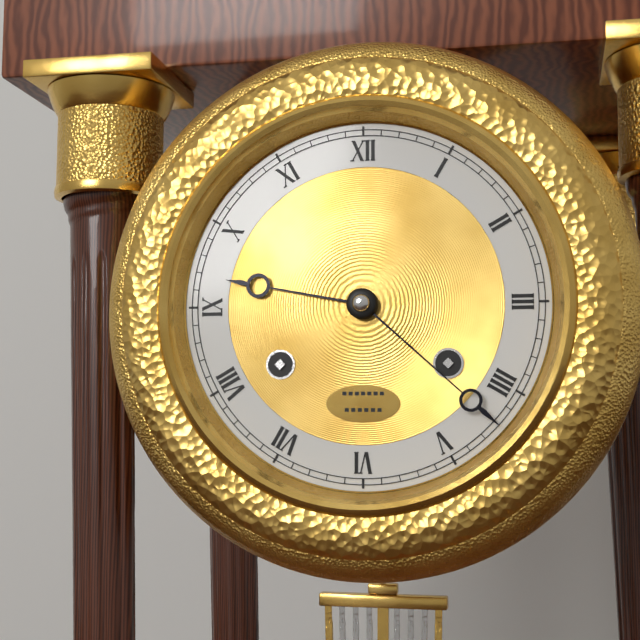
9:22
